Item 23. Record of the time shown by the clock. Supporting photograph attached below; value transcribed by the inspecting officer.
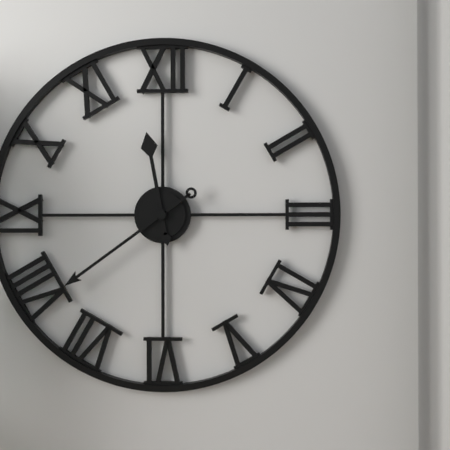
11:39
